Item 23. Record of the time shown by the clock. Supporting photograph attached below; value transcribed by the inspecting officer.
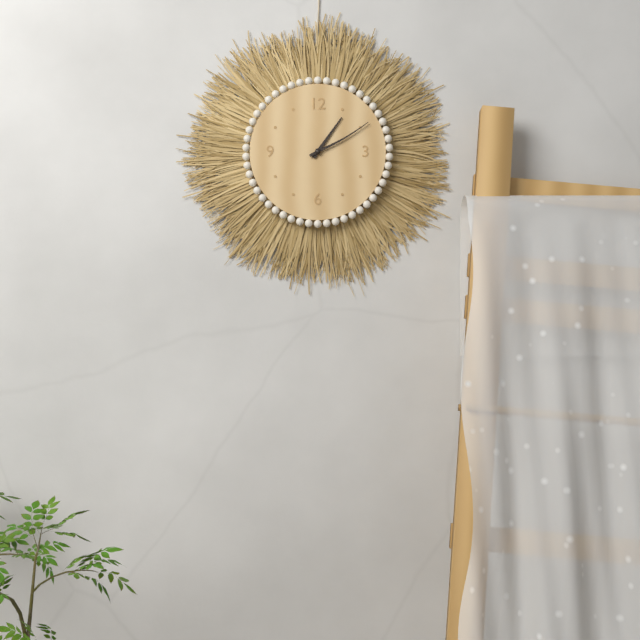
1:10
